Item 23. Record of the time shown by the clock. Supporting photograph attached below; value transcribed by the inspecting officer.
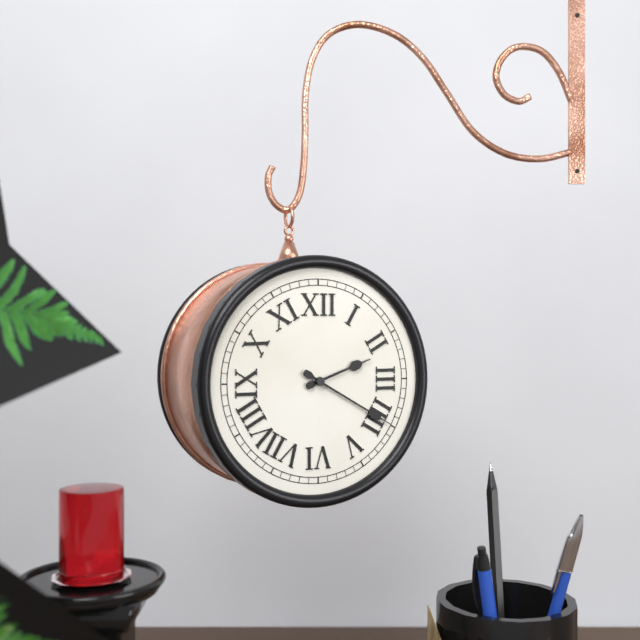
2:20
